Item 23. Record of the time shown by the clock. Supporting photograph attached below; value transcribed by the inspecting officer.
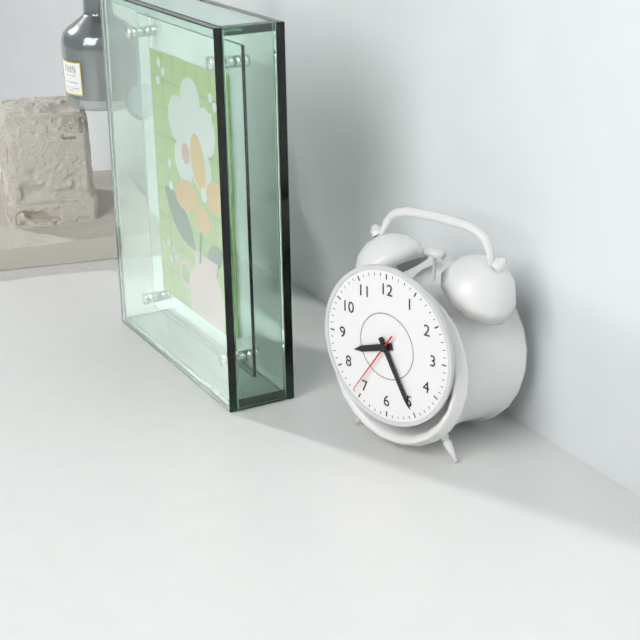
8:25:36
